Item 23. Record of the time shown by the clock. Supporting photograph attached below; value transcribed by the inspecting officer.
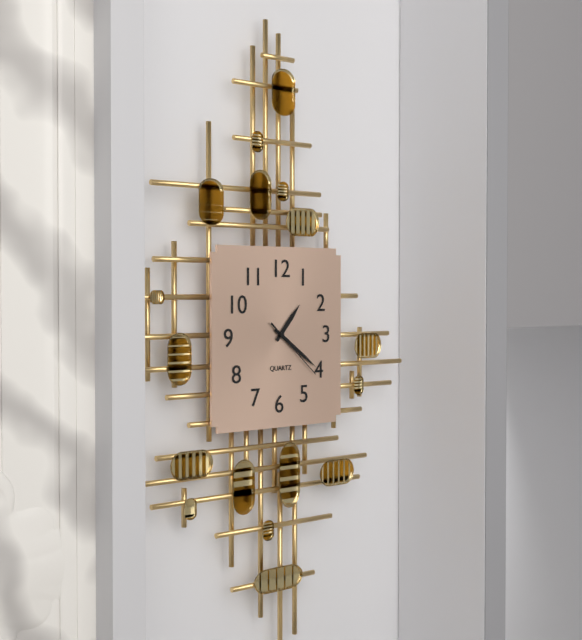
1:21:22
